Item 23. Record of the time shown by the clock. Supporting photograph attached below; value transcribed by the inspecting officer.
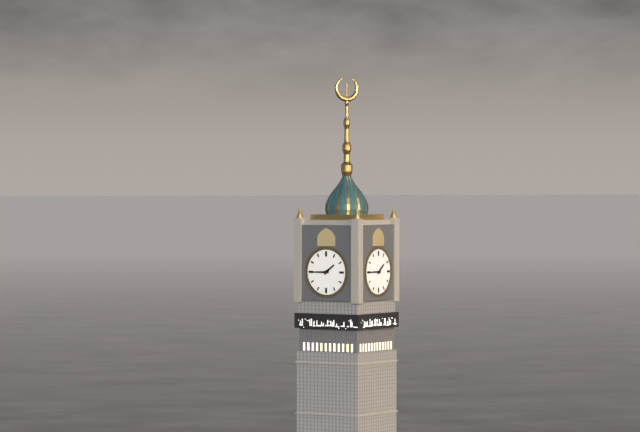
1:45
